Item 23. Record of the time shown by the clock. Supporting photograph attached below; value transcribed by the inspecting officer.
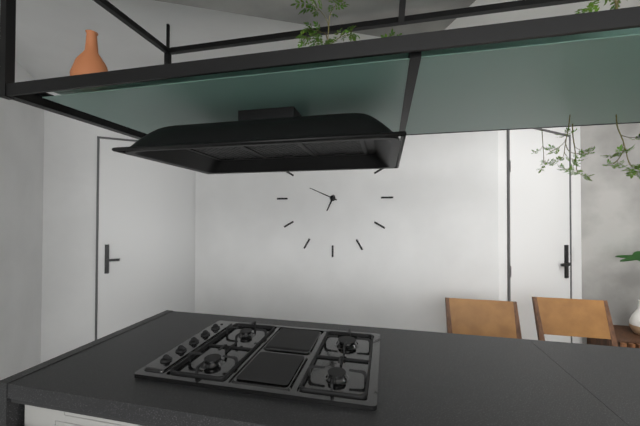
6:49
